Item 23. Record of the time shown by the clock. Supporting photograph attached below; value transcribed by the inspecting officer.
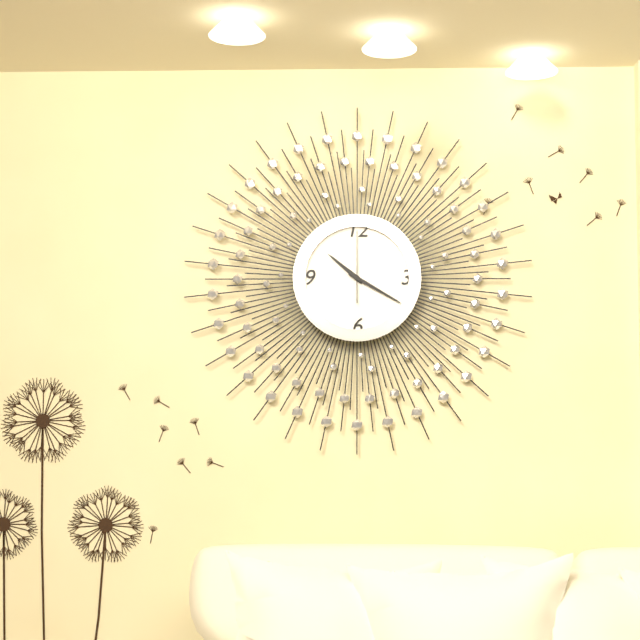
10:20:00
